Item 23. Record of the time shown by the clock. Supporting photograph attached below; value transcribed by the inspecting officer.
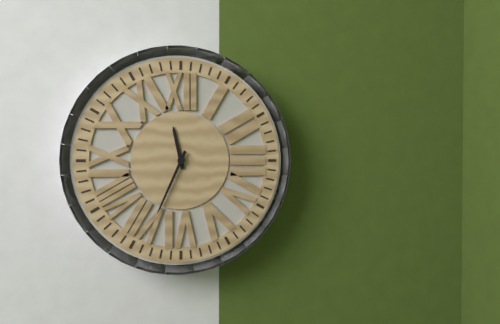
11:34
